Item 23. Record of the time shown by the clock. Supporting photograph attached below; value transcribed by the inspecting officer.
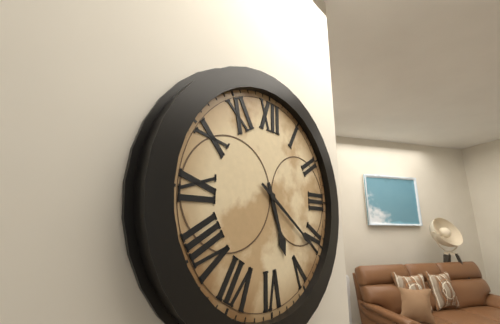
5:21
